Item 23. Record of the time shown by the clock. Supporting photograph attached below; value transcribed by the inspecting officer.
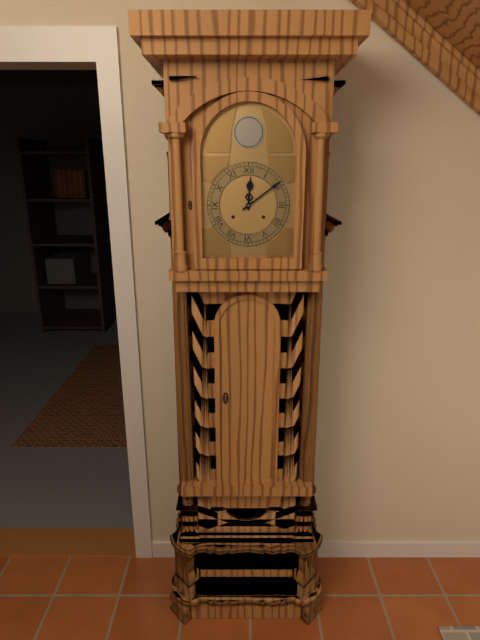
12:09
